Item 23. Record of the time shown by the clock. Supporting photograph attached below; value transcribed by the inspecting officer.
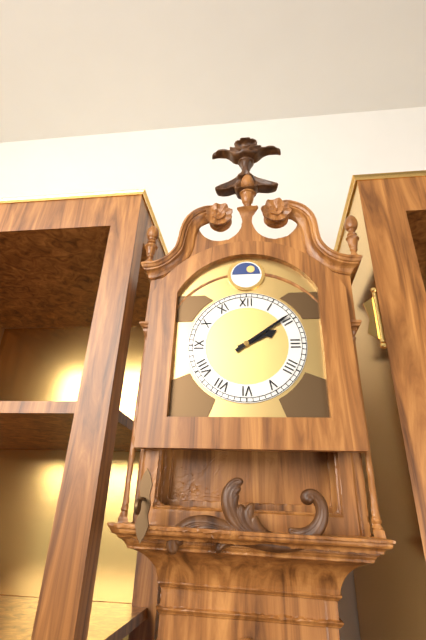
2:09
